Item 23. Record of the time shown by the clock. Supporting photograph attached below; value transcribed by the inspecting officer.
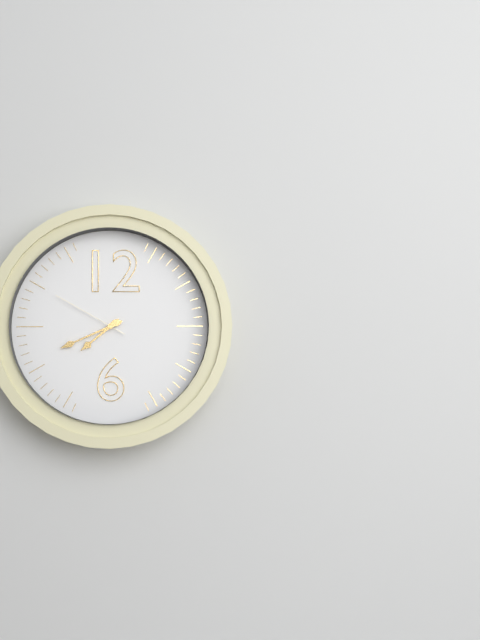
7:41:50
